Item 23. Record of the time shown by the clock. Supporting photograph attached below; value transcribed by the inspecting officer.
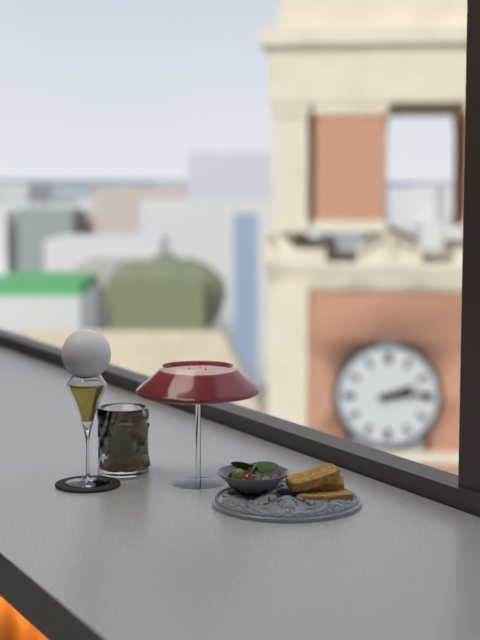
2:14
